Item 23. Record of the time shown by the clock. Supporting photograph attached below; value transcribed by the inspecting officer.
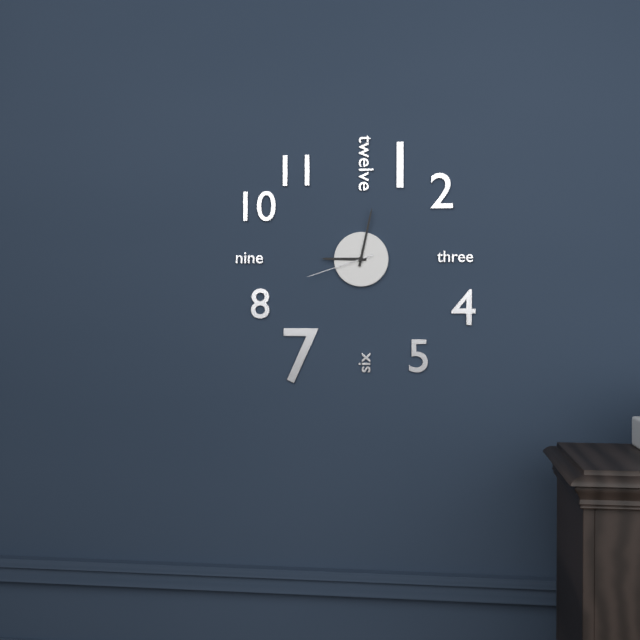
9:02:42
